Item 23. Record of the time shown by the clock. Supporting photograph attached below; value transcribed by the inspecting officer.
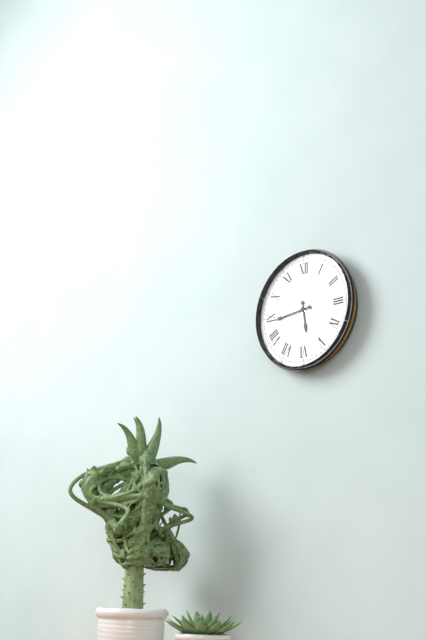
5:44
